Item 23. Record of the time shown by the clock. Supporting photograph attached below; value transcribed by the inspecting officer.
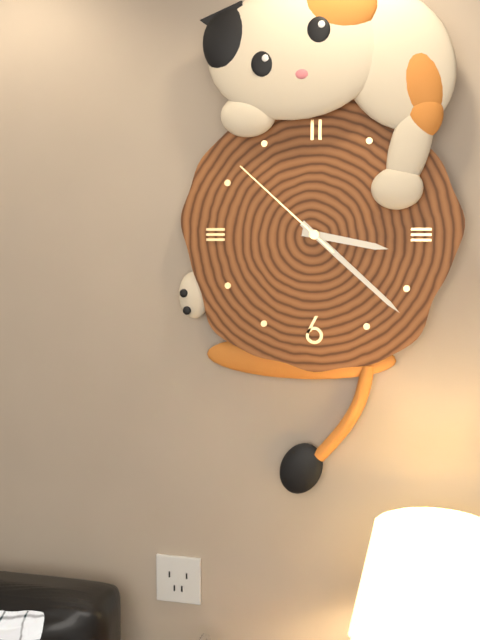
3:22:52
